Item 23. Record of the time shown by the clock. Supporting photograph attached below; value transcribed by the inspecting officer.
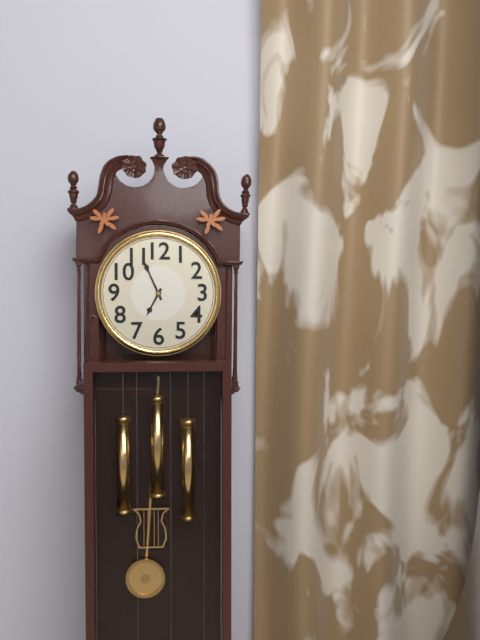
6:56
